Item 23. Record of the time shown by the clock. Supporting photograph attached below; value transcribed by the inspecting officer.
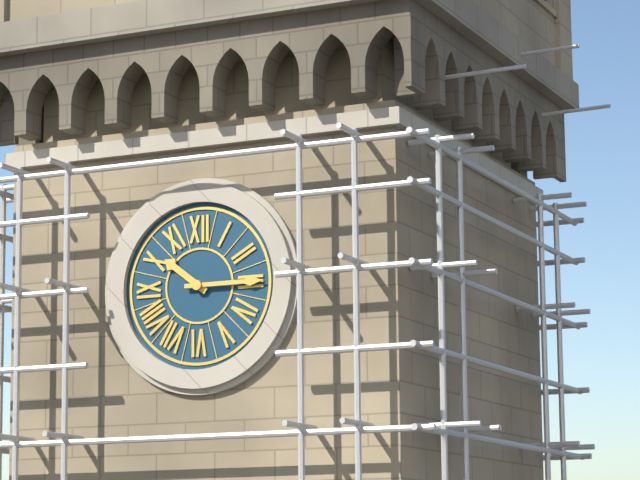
10:15
